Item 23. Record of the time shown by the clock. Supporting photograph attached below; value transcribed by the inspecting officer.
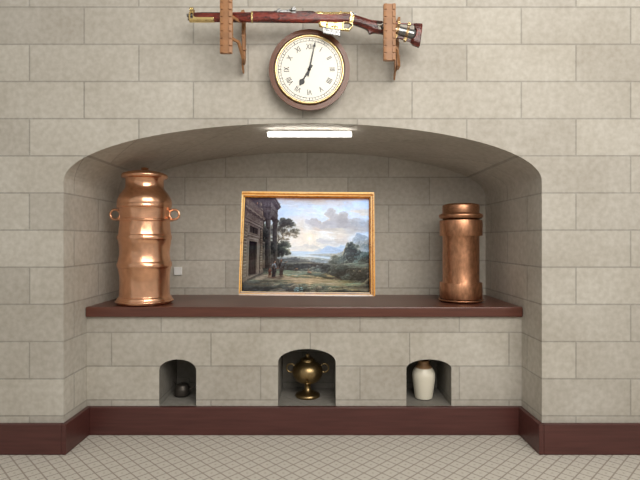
7:02
